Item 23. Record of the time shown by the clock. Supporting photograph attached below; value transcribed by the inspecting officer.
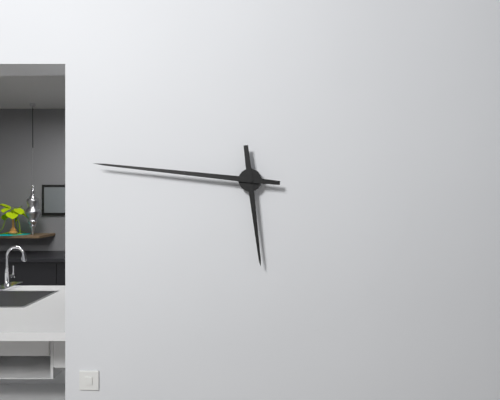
5:46
